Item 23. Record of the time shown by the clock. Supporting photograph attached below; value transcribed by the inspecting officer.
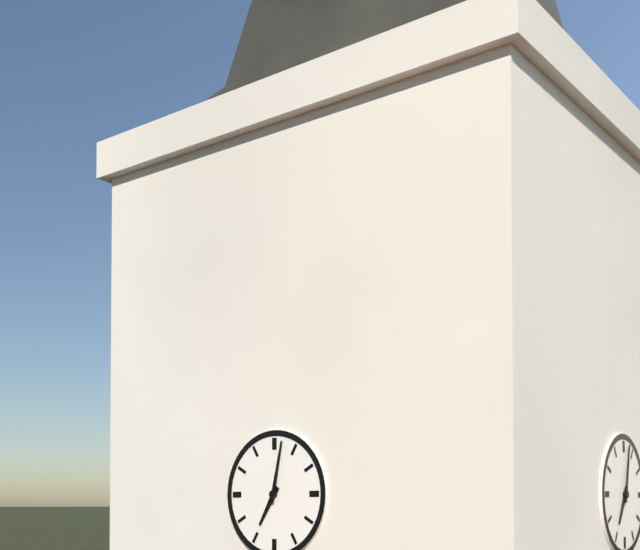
7:02
